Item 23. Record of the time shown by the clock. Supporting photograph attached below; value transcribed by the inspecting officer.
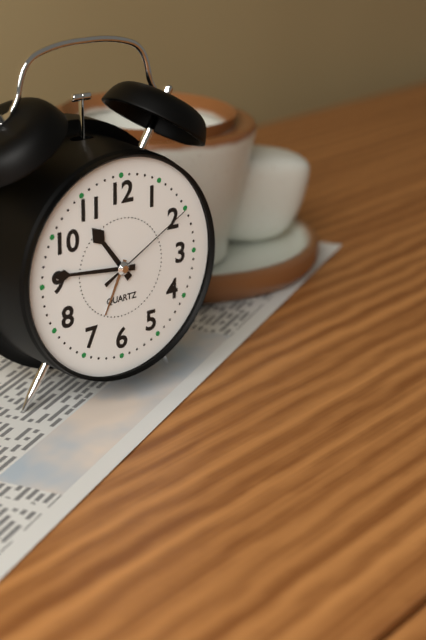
10:46:10
